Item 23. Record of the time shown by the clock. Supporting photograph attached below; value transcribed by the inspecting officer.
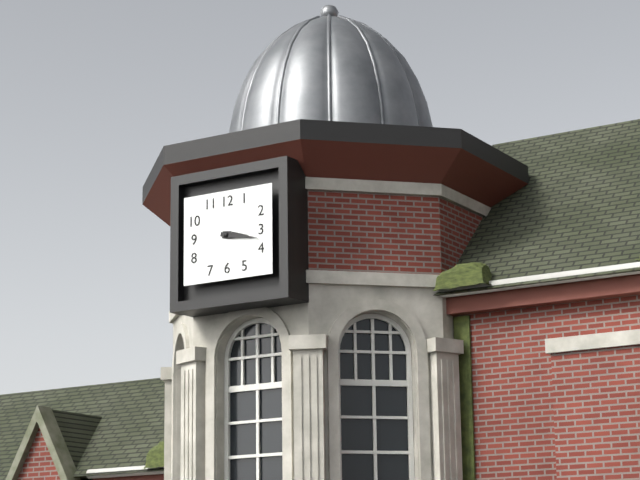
3:17
